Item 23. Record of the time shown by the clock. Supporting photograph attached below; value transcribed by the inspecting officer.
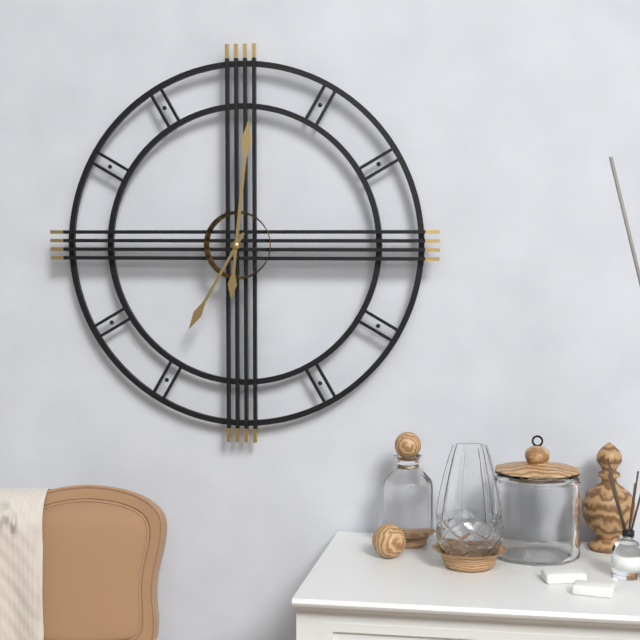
7:01
